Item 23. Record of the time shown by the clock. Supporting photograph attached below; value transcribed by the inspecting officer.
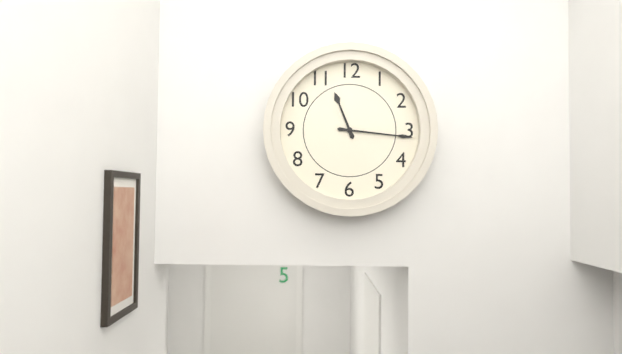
11:16
